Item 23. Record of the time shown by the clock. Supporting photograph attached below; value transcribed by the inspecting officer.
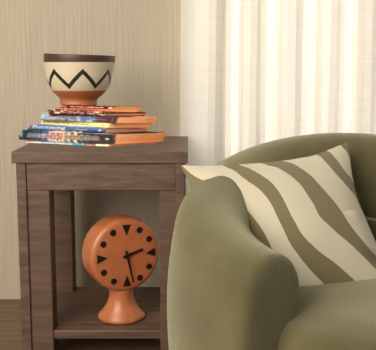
2:28
